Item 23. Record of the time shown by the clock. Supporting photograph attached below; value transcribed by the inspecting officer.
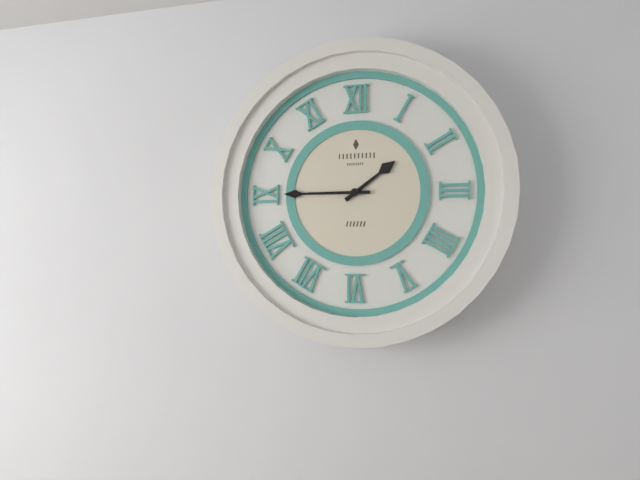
1:45
